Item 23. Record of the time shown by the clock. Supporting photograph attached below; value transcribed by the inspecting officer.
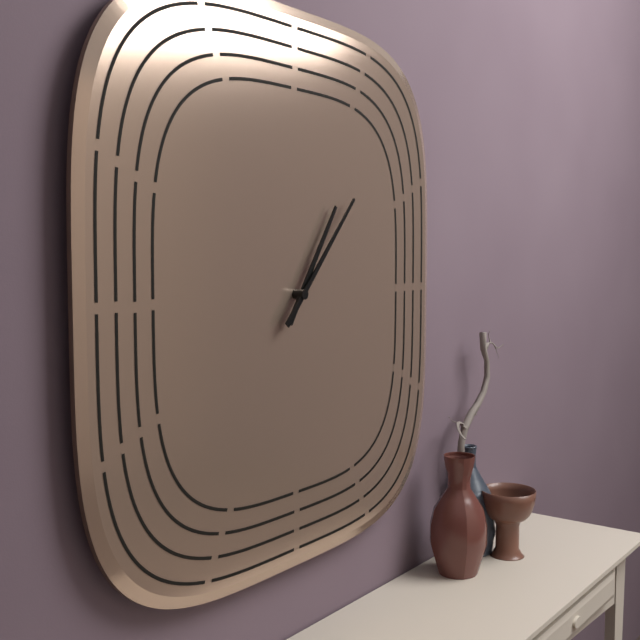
1:07
